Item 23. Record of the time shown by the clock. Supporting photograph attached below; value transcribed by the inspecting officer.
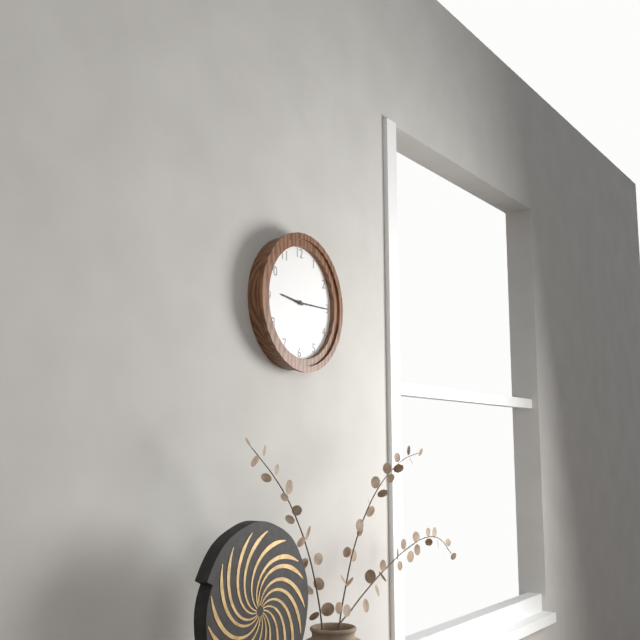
9:15
